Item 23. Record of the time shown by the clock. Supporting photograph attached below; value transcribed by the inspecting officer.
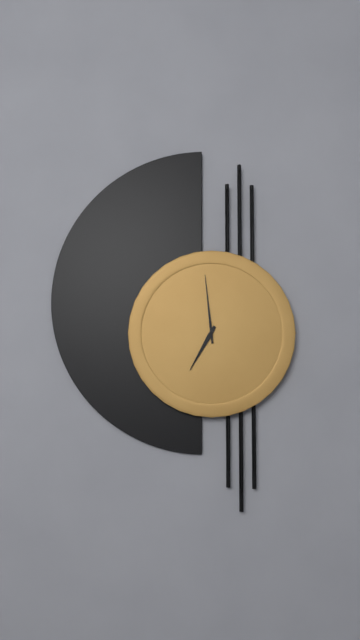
6:59
